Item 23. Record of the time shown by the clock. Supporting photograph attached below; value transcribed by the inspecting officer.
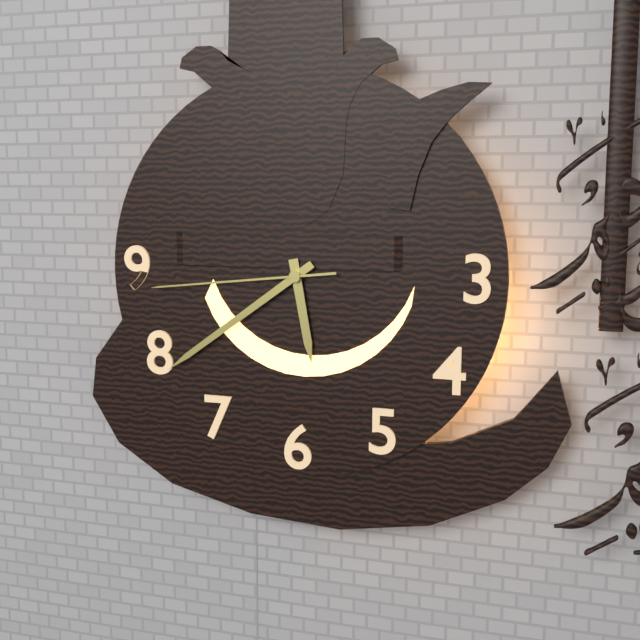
5:39:44
